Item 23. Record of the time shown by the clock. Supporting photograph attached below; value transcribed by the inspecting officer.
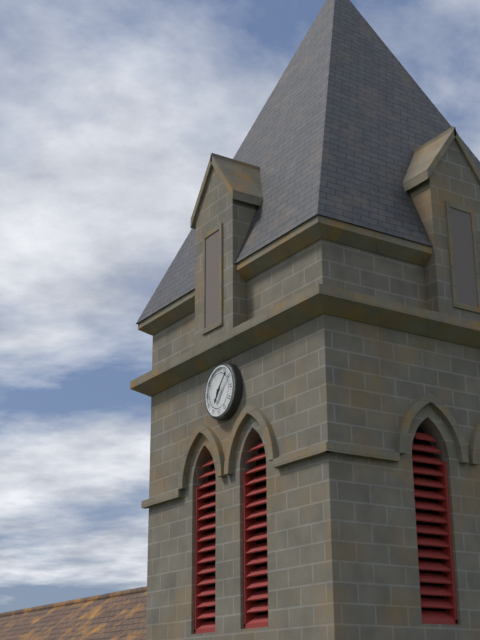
7:07
